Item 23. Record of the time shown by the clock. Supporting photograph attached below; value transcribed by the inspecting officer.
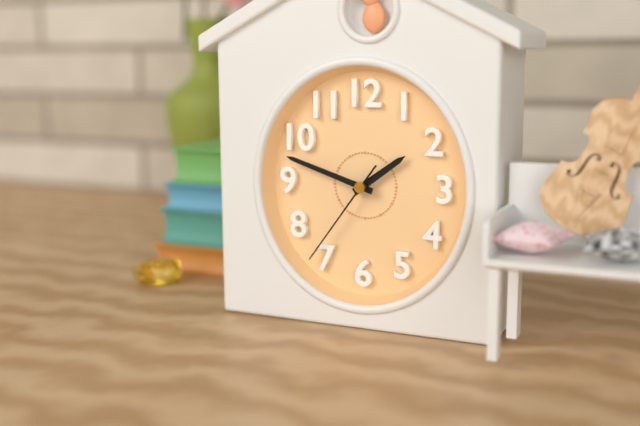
1:48:36
